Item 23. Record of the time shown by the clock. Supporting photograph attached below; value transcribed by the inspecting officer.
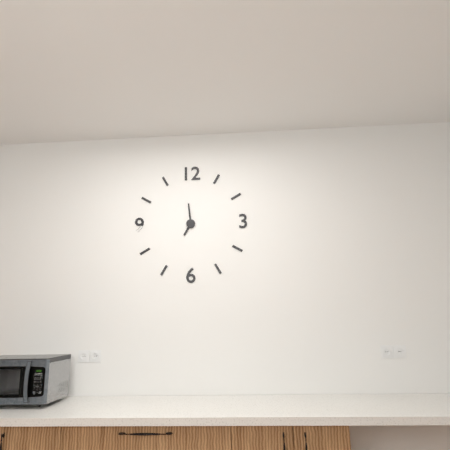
6:59
